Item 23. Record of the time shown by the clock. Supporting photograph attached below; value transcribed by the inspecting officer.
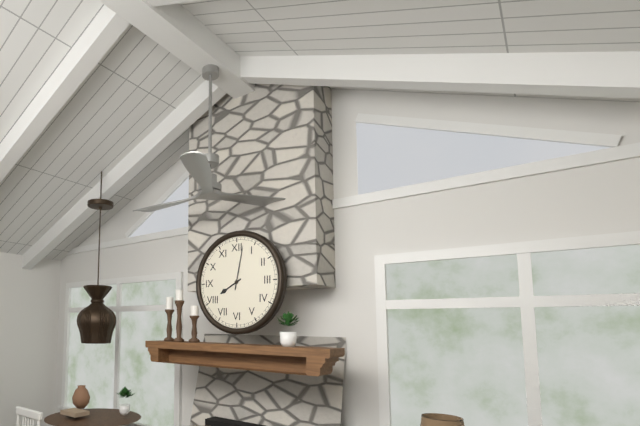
8:02
